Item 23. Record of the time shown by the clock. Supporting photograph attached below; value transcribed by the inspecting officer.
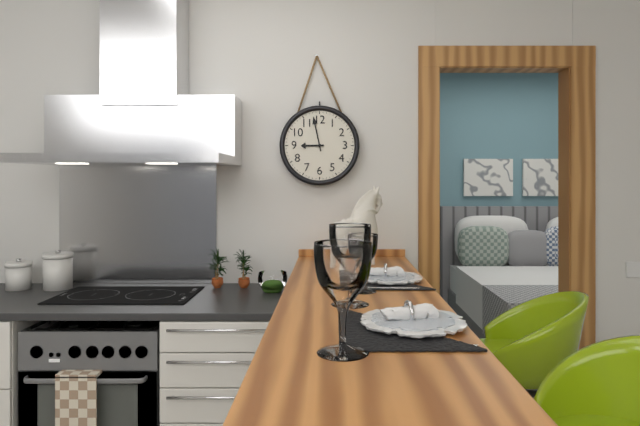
8:58
